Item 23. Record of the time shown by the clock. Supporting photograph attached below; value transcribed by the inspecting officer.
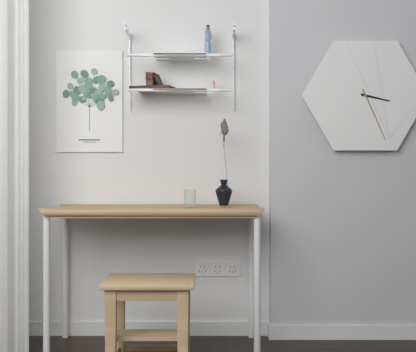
3:26
